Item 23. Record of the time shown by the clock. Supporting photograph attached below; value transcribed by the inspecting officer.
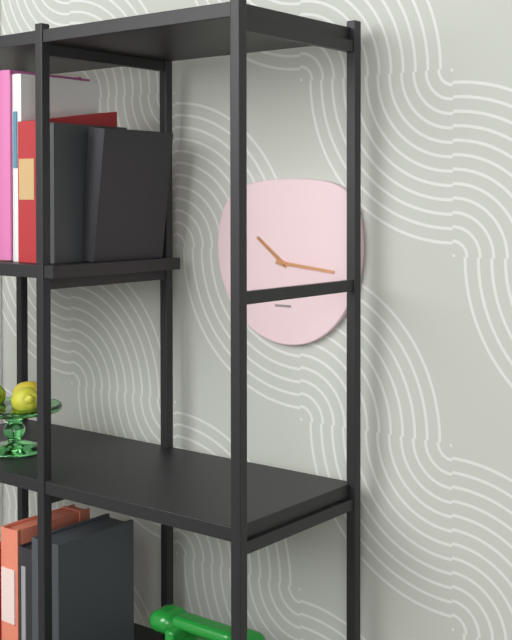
10:16
